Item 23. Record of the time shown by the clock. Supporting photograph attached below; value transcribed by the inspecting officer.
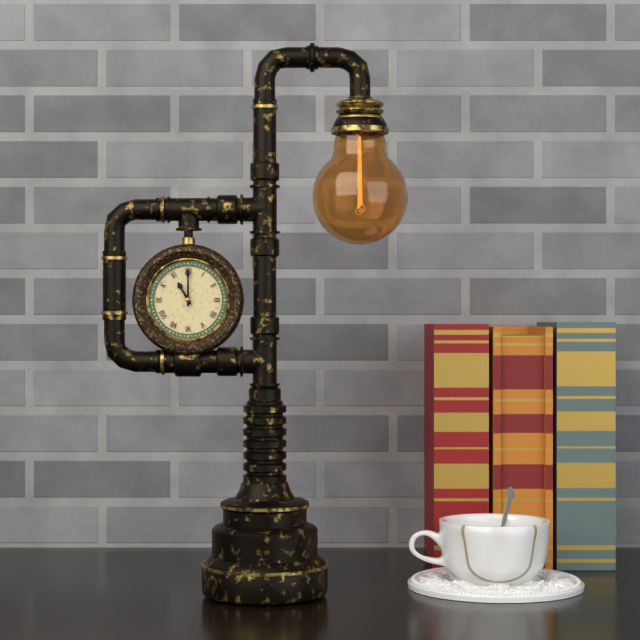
11:00
